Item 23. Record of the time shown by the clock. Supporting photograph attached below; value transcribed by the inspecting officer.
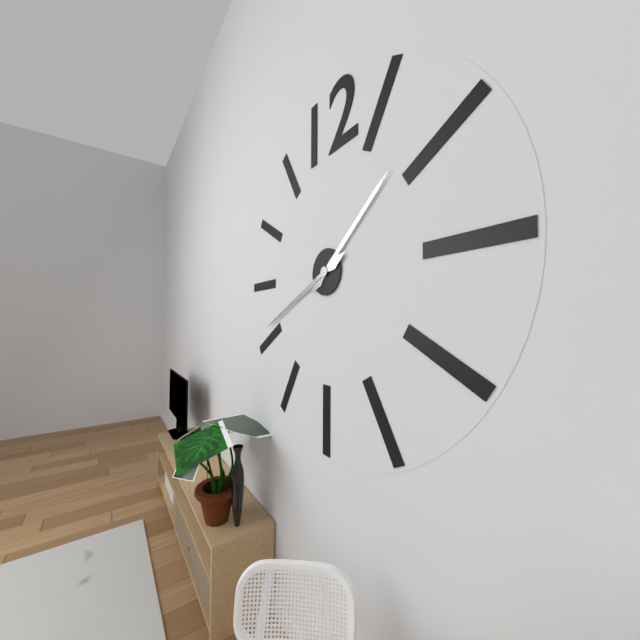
1:41
